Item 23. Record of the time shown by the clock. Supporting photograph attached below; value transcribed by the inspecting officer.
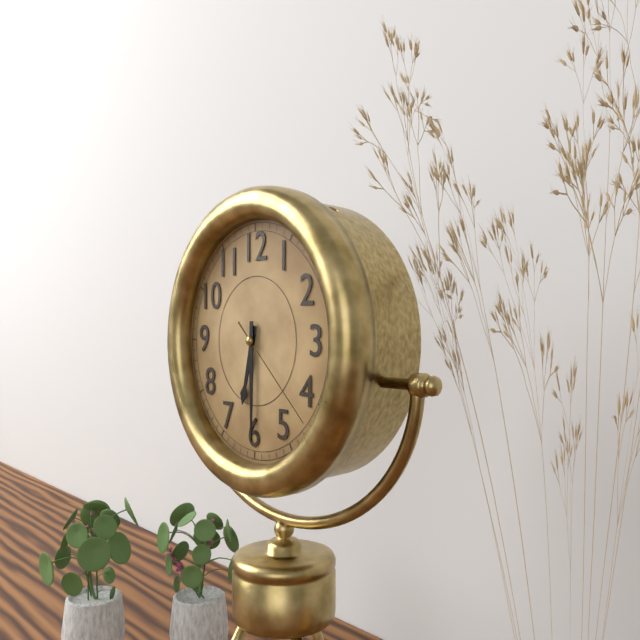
6:30:22
